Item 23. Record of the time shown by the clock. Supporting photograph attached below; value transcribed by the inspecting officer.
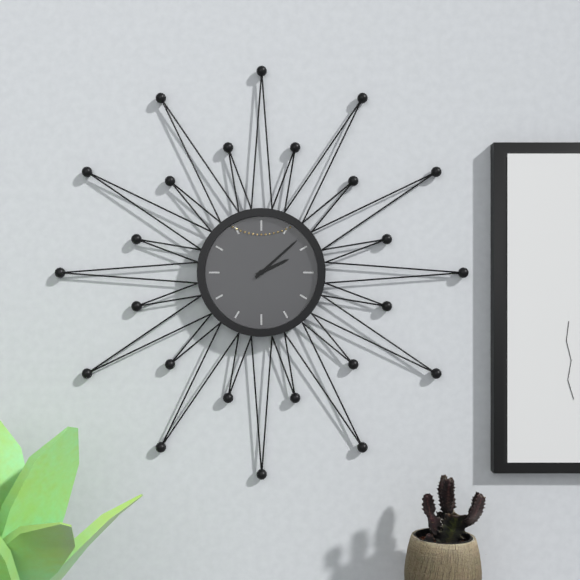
2:08
